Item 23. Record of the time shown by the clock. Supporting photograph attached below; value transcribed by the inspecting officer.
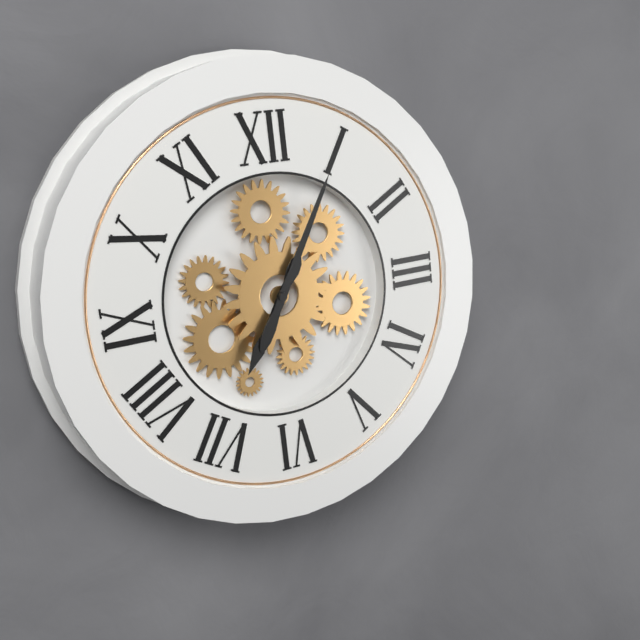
7:05
